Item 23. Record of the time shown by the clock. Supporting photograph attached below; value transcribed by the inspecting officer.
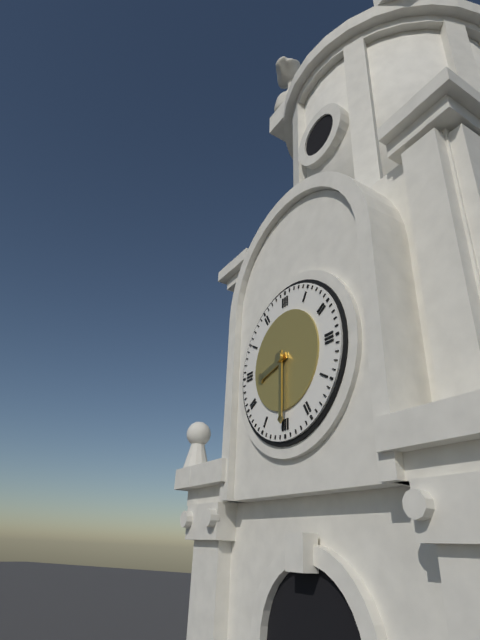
8:30
